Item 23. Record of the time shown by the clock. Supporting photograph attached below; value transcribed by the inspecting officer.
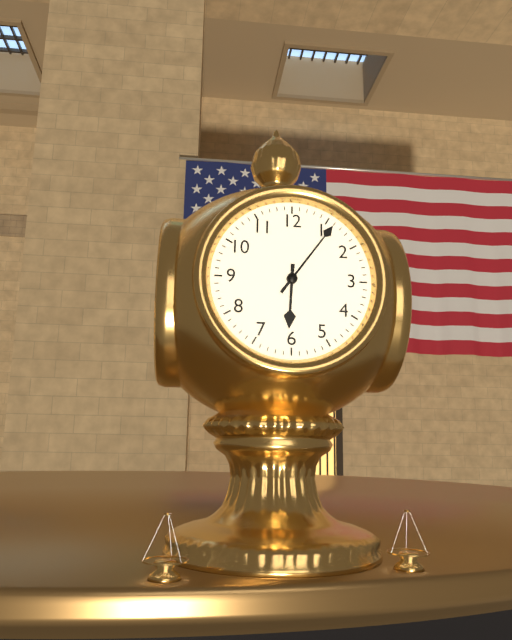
6:06
